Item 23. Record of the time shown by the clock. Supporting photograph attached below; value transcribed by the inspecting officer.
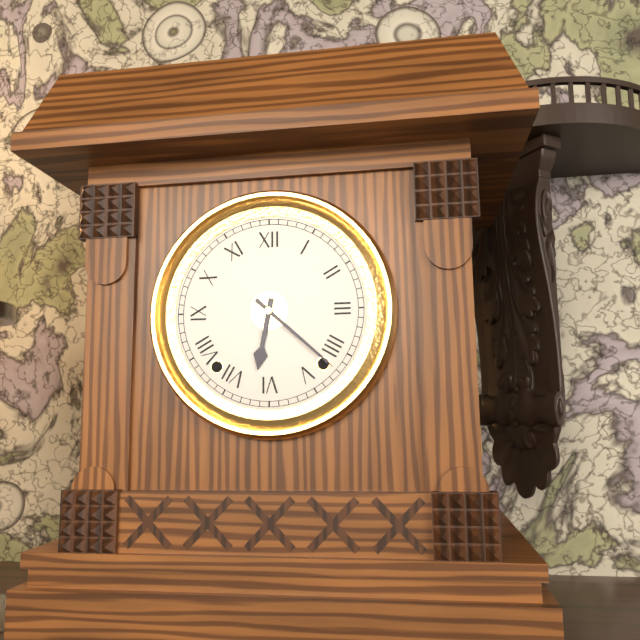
6:22
